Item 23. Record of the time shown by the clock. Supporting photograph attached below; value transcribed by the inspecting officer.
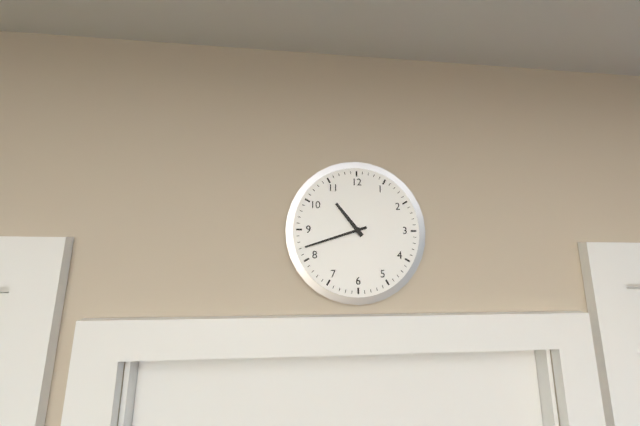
10:42
